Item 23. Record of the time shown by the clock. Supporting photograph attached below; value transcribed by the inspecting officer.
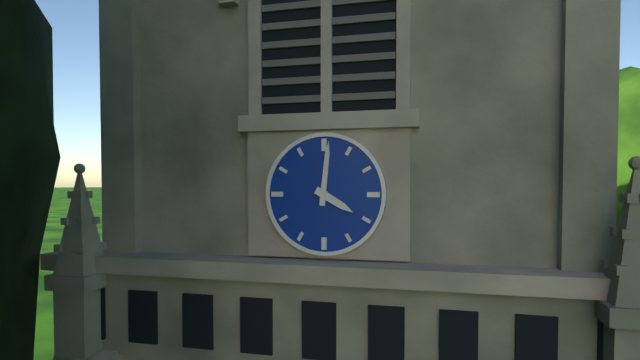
4:01
